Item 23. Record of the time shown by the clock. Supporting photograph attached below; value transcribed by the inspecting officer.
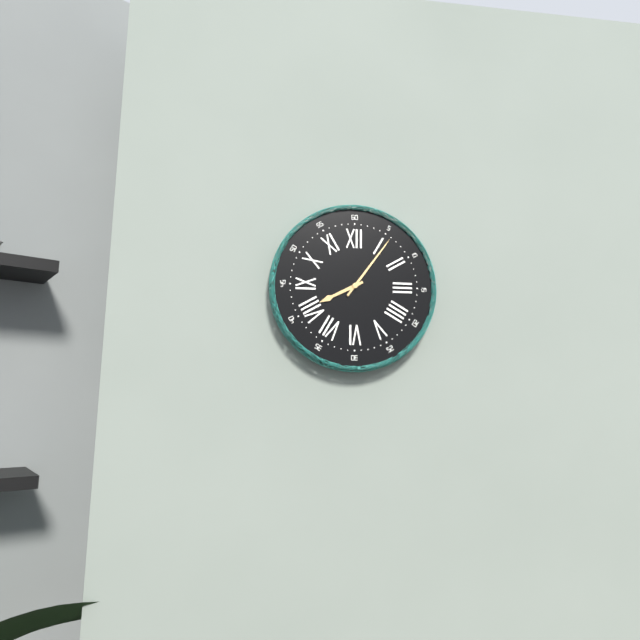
8:06
